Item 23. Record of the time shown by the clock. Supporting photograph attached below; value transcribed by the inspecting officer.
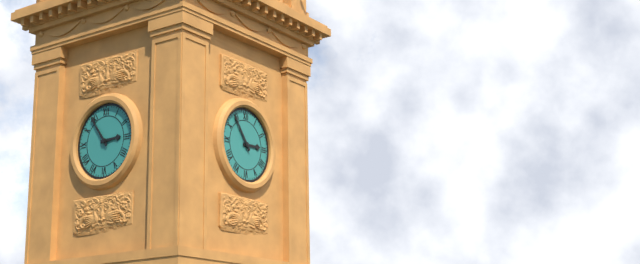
2:54
